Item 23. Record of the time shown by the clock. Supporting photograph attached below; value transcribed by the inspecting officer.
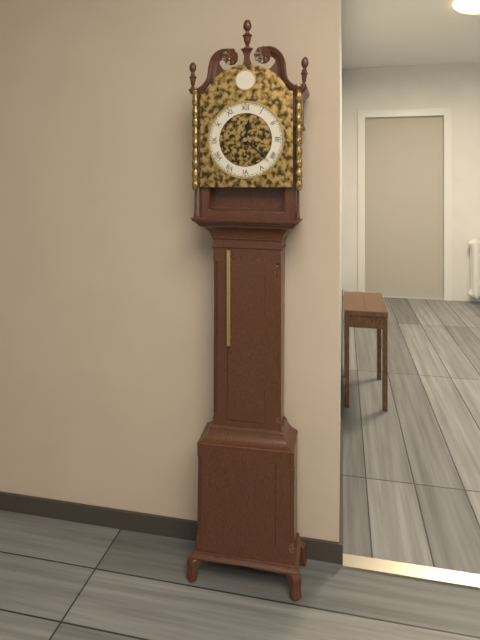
12:22
